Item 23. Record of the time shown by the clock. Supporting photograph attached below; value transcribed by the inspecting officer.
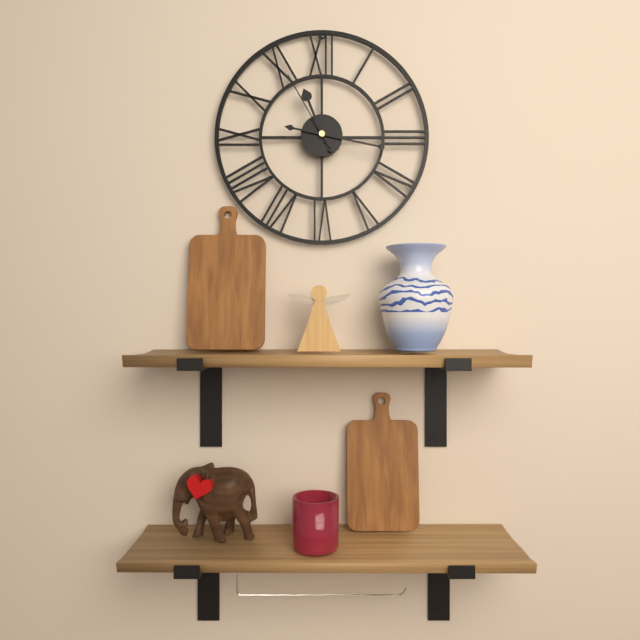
11:17:55
